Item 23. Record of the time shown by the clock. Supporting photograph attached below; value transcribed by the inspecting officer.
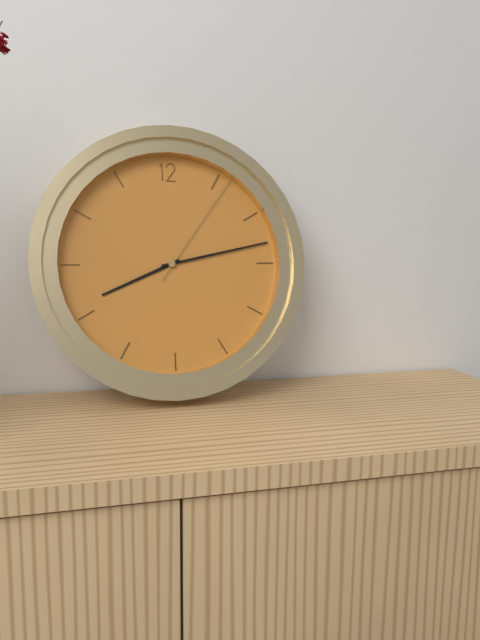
8:13:06
